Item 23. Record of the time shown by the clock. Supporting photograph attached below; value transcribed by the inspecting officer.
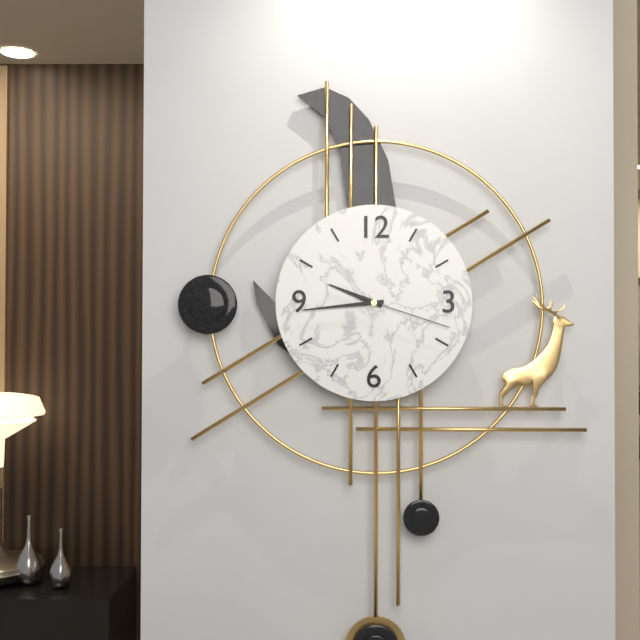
9:44:18
